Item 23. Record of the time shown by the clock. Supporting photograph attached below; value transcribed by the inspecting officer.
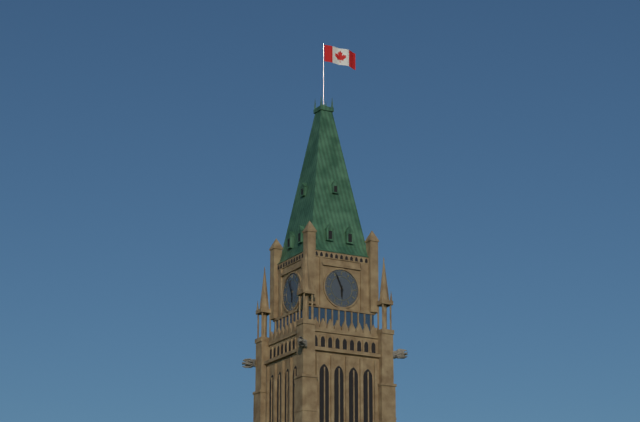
5:56
